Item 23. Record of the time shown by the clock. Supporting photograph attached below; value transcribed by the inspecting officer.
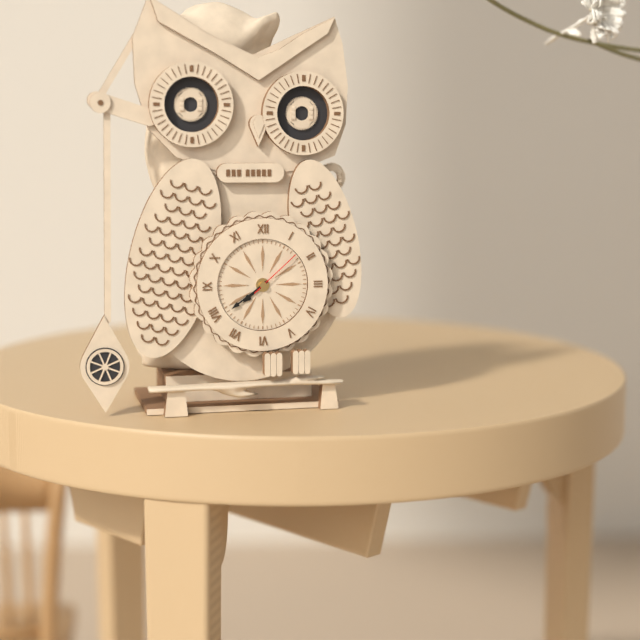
7:39:08
